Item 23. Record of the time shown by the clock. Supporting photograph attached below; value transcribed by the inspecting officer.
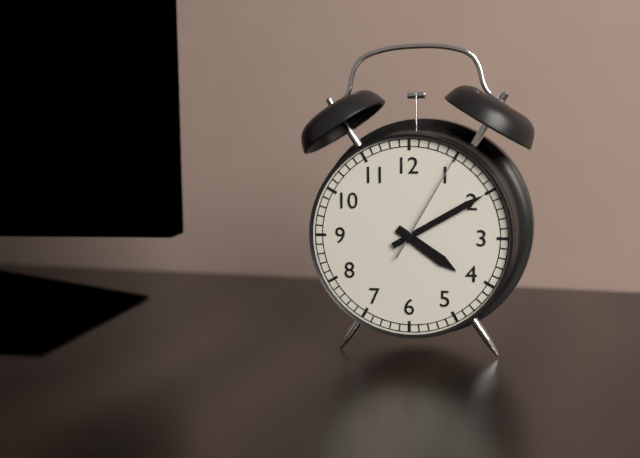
4:10:05
